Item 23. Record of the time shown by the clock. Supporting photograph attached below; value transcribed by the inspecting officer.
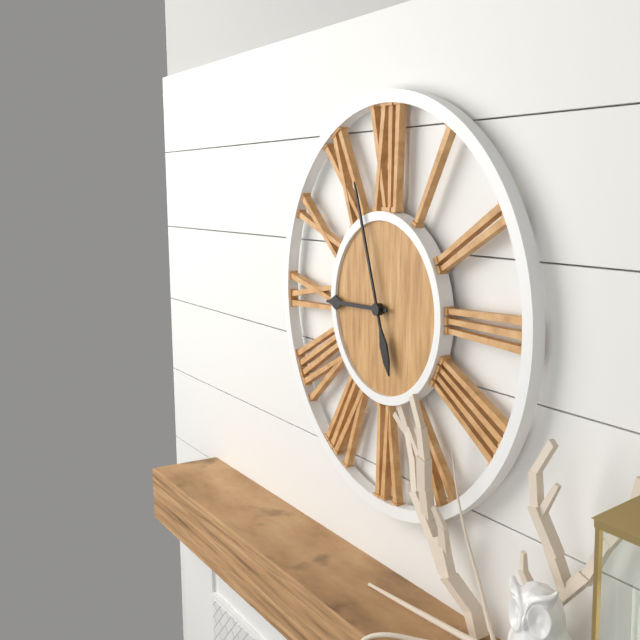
8:57
